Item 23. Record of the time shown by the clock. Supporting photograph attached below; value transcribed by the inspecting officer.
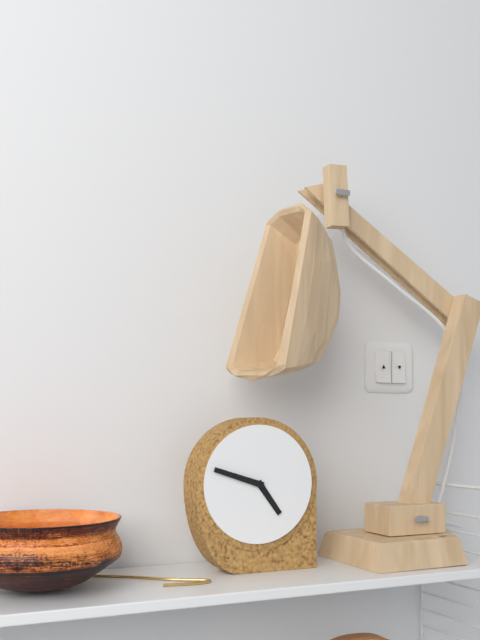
4:48
